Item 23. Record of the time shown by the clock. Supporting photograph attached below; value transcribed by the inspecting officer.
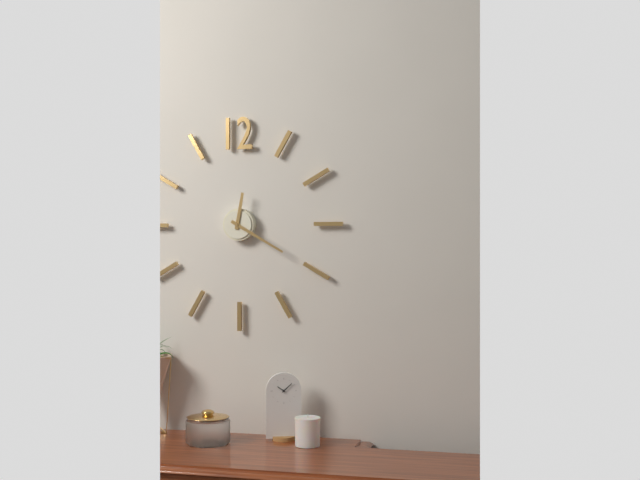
12:20
